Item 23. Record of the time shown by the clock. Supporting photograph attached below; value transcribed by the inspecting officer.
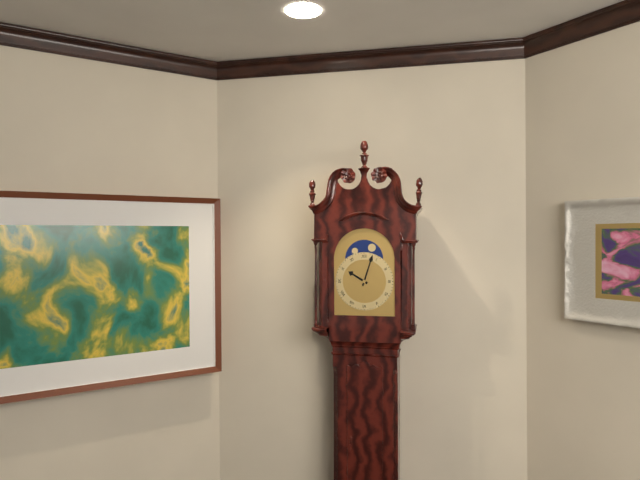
10:03
